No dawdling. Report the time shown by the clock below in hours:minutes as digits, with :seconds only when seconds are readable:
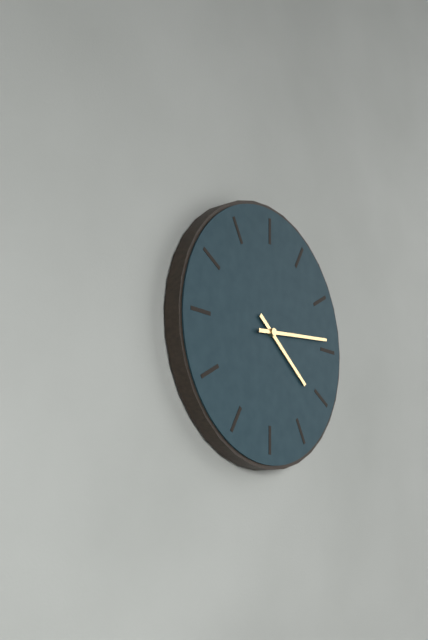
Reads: 4:14
